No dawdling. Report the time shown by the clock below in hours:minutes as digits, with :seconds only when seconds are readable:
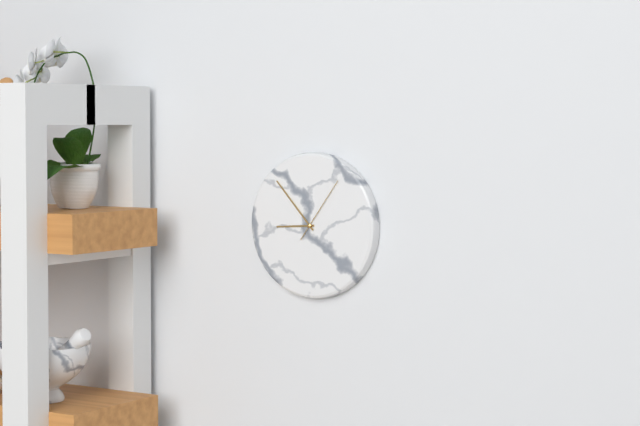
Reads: 8:53:06
